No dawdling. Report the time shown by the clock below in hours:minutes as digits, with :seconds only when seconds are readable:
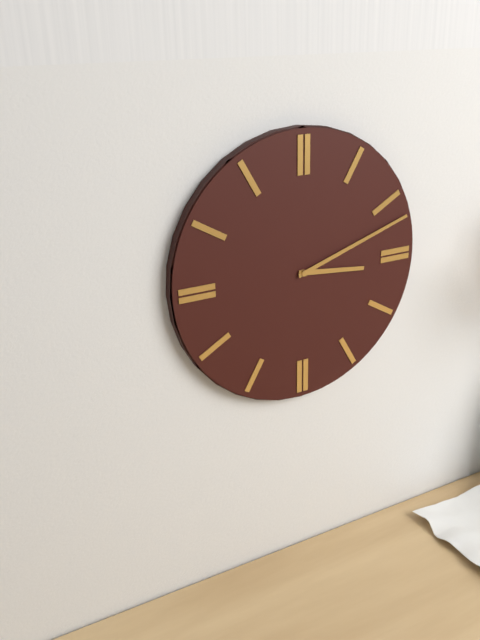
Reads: 3:12
